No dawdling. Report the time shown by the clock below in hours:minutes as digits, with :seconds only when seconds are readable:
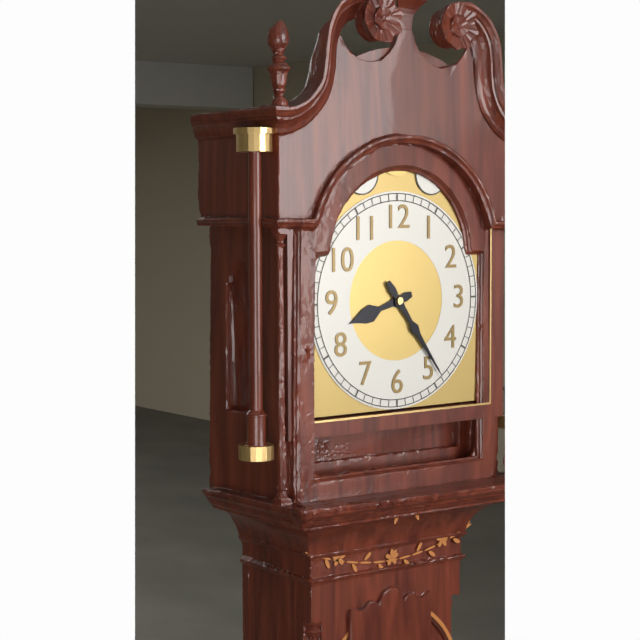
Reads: 8:24
